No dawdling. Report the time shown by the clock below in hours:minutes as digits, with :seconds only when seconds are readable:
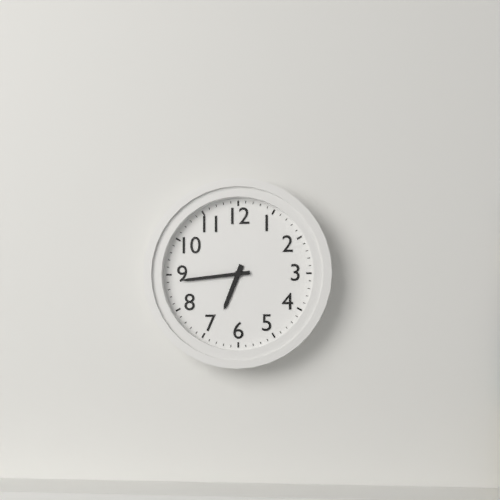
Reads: 6:44
